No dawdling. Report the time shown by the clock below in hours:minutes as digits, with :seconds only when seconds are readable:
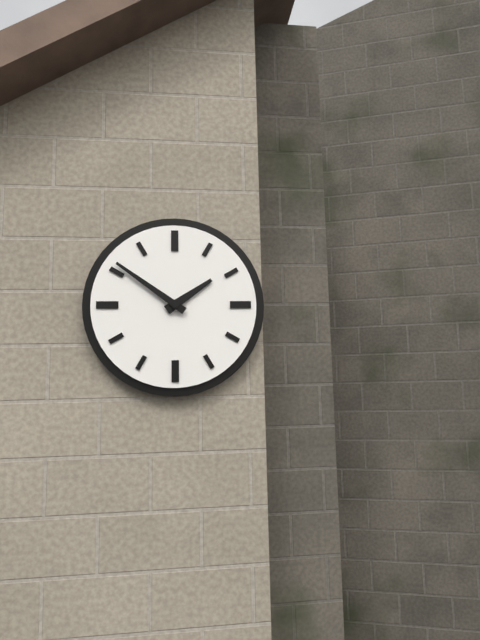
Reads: 1:51
